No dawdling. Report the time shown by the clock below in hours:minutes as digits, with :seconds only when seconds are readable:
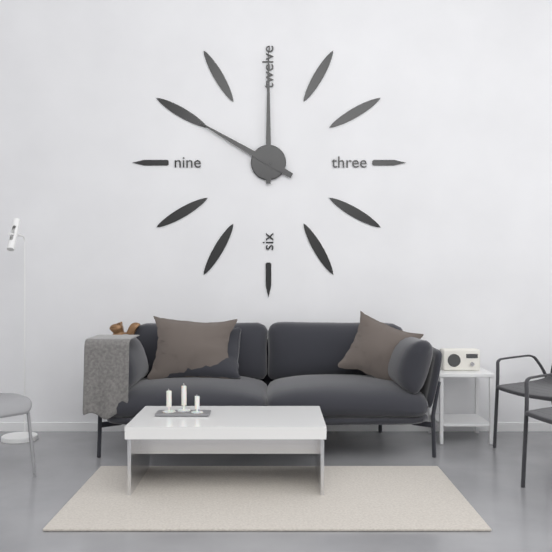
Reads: 10:00
